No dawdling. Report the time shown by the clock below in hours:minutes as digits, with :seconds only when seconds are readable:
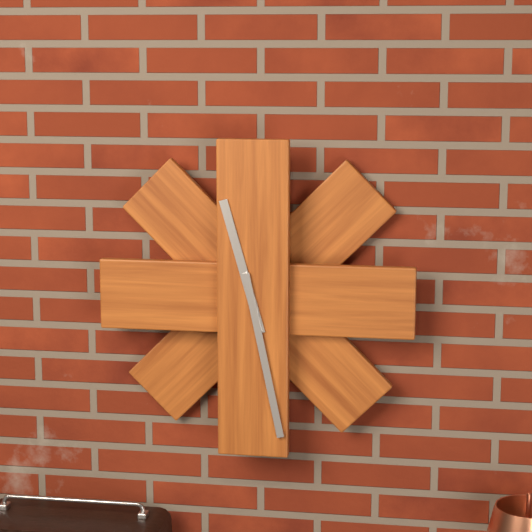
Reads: 11:28
